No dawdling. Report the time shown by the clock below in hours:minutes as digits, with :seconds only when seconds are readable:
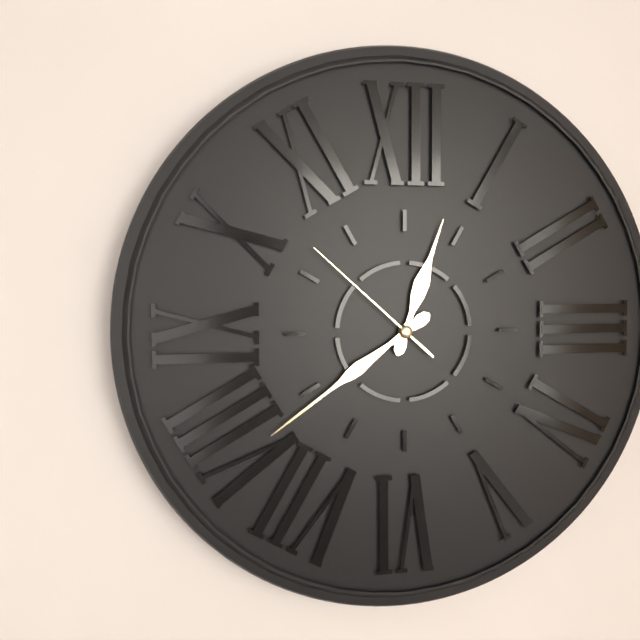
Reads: 12:39:52
